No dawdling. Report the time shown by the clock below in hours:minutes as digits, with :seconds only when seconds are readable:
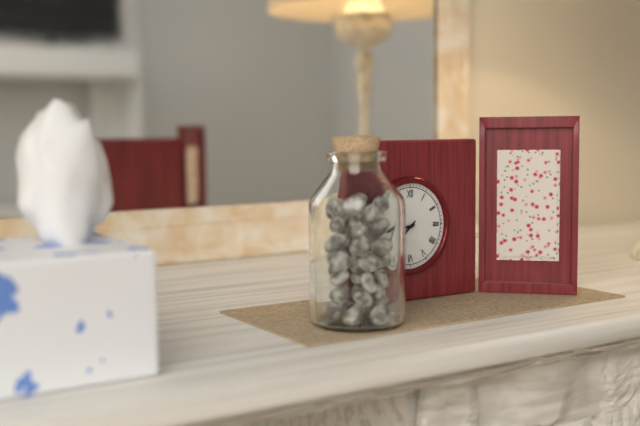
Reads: 8:38
